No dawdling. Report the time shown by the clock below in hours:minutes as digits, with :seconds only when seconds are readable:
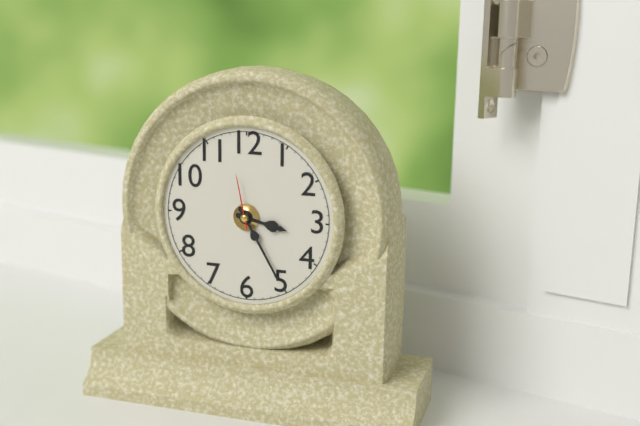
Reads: 3:25:58
